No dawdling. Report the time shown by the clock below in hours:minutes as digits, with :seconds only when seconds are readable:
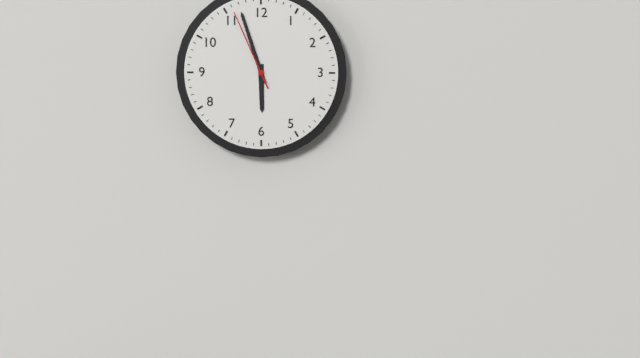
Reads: 5:57:56
